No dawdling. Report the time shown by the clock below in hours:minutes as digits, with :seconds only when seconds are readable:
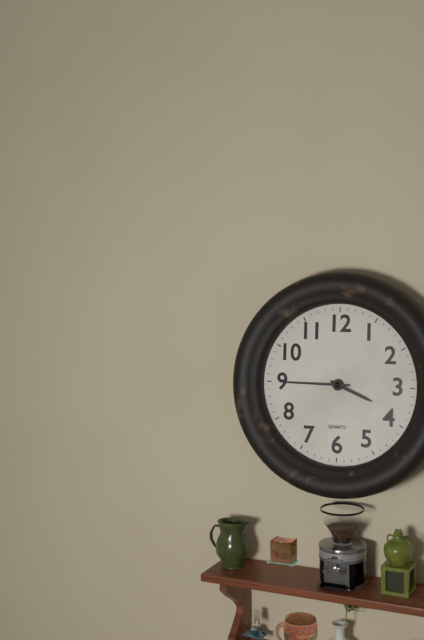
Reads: 3:45
